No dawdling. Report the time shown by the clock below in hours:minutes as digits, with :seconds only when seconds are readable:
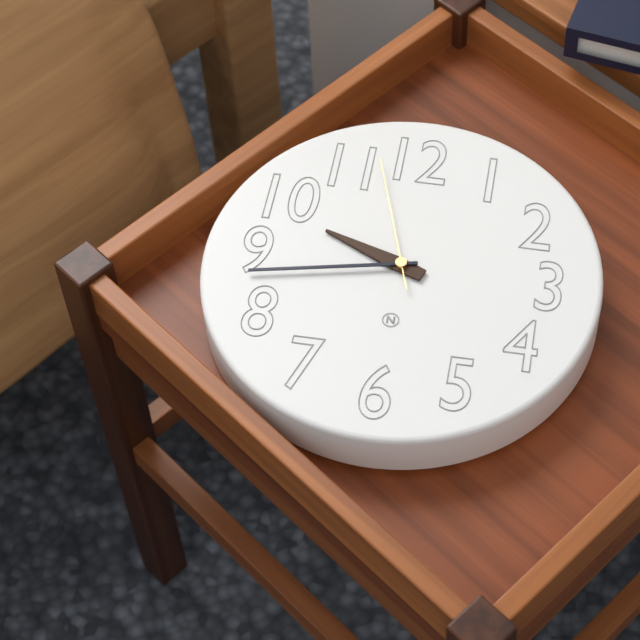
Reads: 9:43:57
